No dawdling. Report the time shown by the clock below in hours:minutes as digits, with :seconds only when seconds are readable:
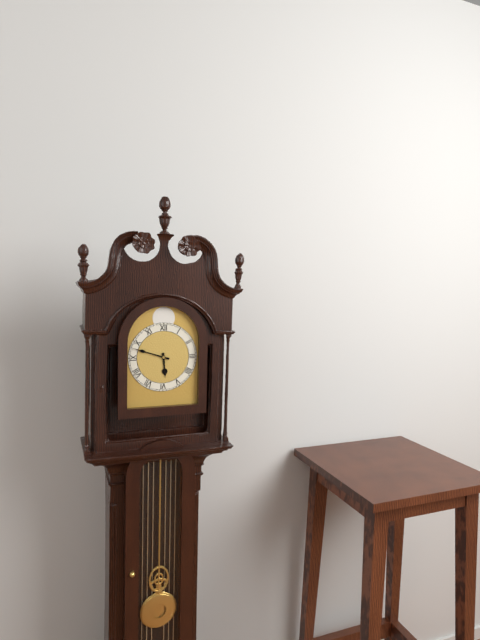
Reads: 5:48
